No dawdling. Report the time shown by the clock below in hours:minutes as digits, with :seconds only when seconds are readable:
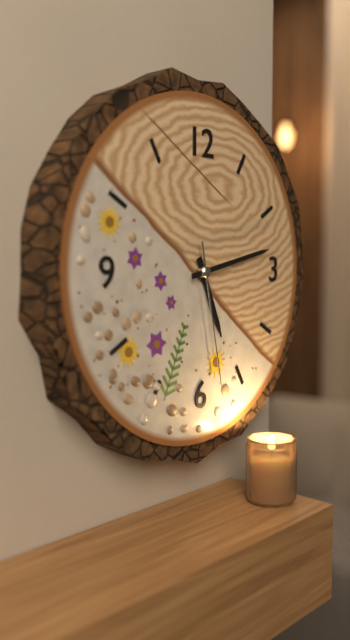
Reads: 5:13:28
